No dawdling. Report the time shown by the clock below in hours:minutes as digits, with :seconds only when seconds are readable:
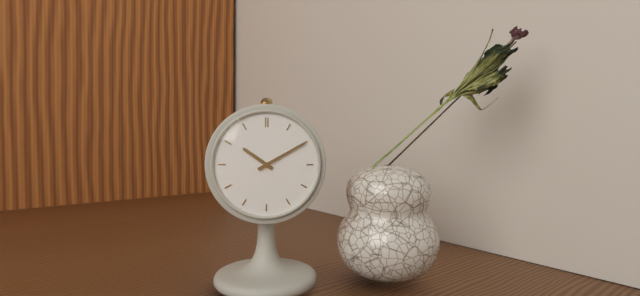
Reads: 10:10
